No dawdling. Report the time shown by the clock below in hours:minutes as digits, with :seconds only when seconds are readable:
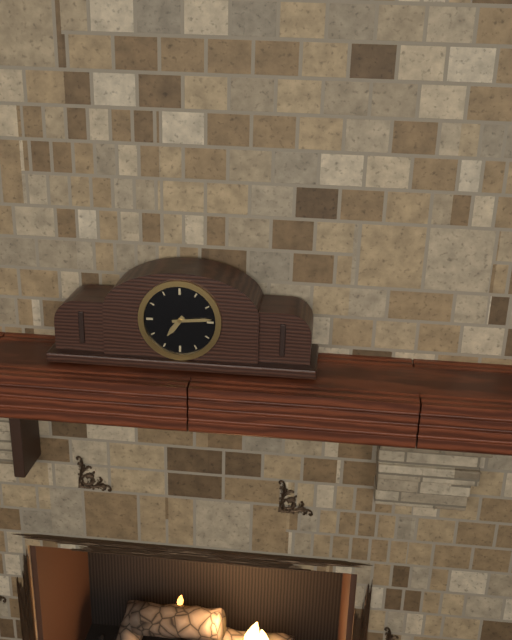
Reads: 7:14
